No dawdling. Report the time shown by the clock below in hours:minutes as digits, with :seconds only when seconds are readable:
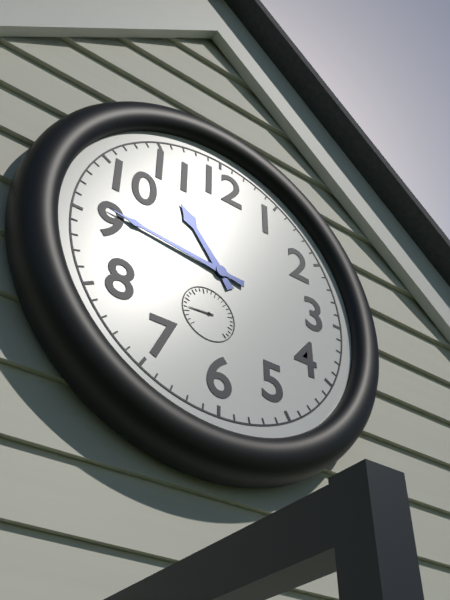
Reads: 10:46
